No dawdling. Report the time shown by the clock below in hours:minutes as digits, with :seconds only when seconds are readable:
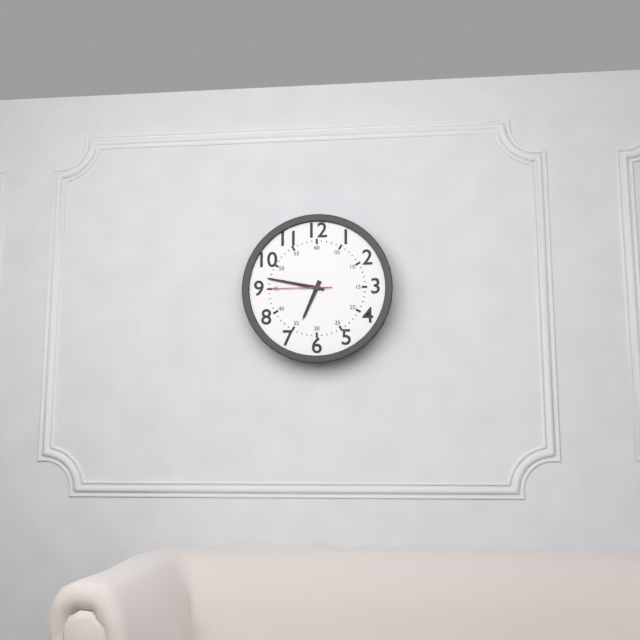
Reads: 6:47:45
